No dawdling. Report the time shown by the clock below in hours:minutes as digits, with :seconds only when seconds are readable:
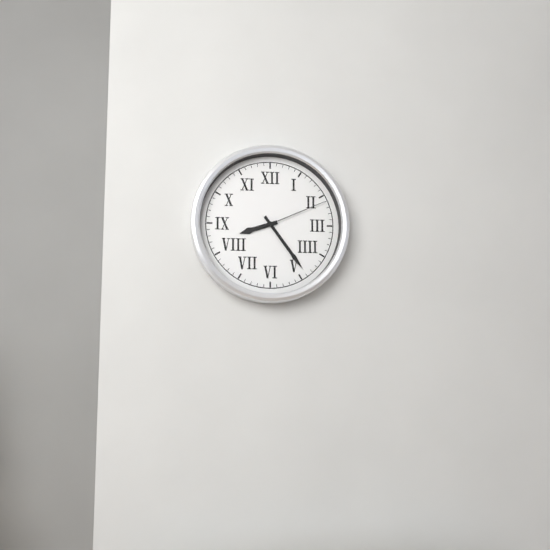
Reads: 8:24:11
